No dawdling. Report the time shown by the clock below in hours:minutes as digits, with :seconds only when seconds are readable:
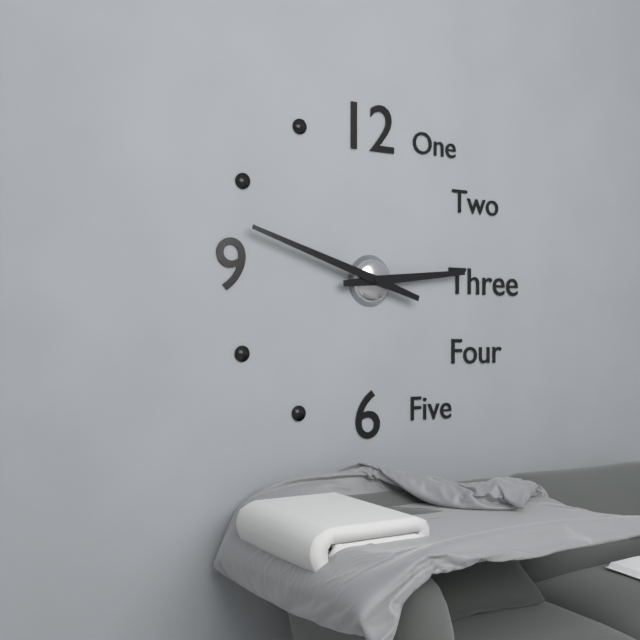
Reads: 2:48
